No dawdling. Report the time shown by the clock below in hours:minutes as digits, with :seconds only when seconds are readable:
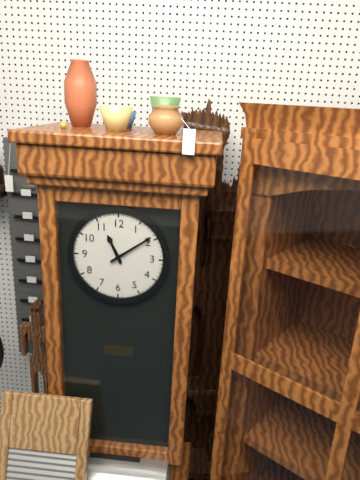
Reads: 11:09
